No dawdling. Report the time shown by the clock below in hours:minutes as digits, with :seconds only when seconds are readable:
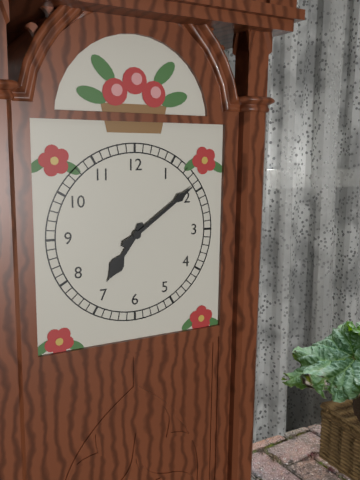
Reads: 7:09
